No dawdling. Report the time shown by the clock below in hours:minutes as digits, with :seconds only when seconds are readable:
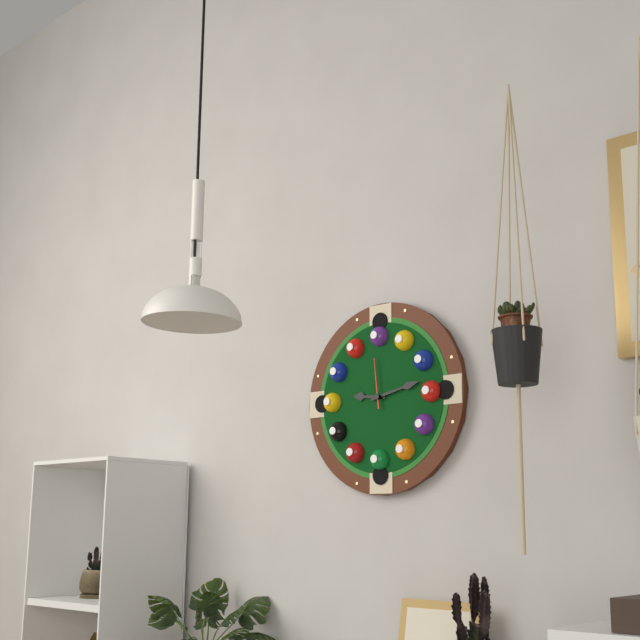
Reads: 9:13
